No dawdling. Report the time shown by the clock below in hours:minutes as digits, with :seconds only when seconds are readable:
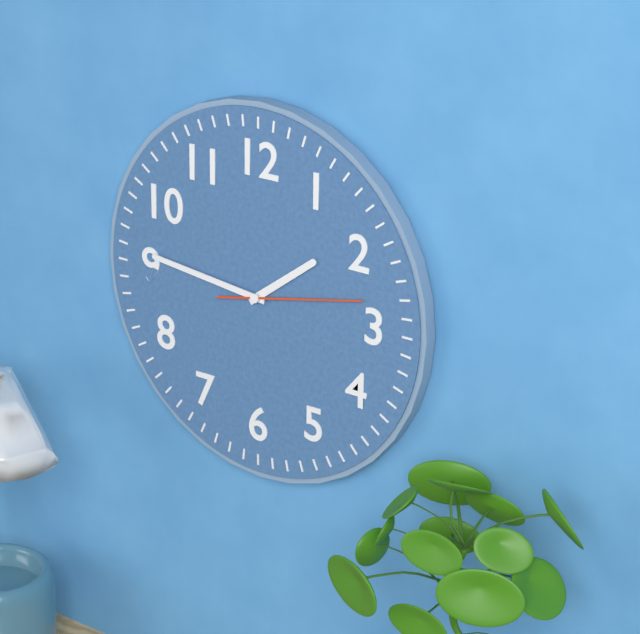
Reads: 1:46:13
